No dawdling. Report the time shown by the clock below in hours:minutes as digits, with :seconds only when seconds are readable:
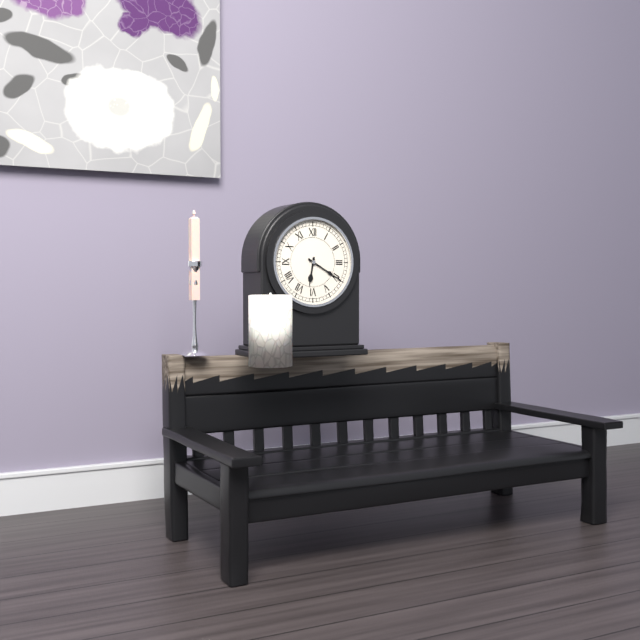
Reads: 6:20
